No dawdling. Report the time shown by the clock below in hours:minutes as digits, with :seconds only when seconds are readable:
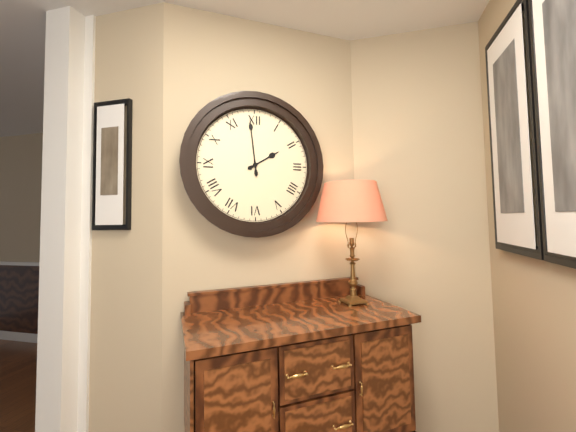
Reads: 1:59
